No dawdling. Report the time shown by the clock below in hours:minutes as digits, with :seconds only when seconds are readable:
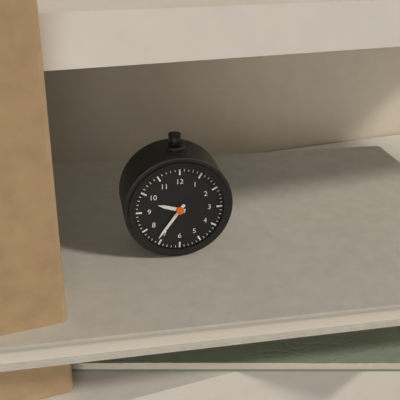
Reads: 9:36
